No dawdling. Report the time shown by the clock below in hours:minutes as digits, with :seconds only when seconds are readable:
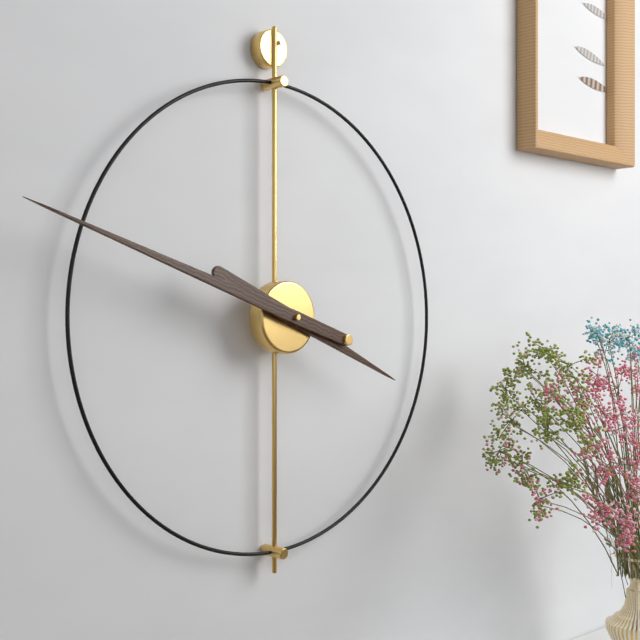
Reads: 3:48
